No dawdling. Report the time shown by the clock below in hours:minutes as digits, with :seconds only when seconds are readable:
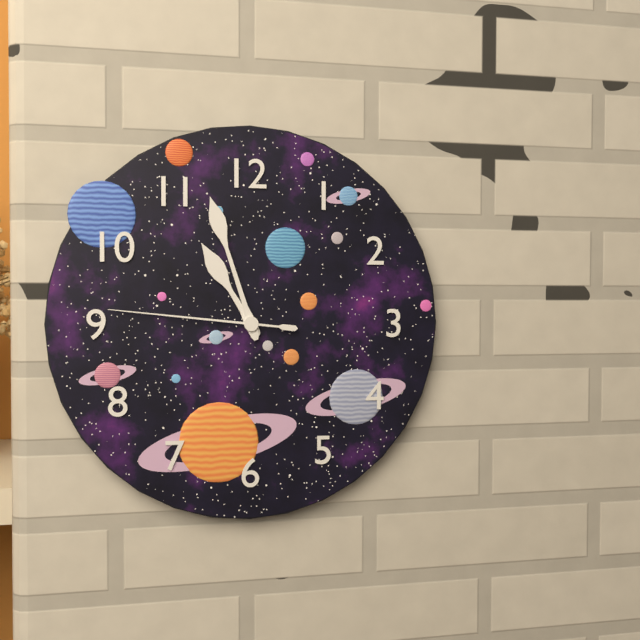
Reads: 10:57:46
